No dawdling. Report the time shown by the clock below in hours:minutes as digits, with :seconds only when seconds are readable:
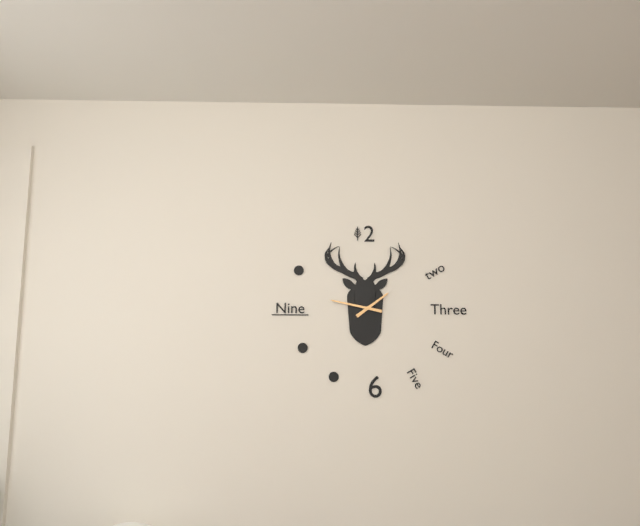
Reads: 1:47
